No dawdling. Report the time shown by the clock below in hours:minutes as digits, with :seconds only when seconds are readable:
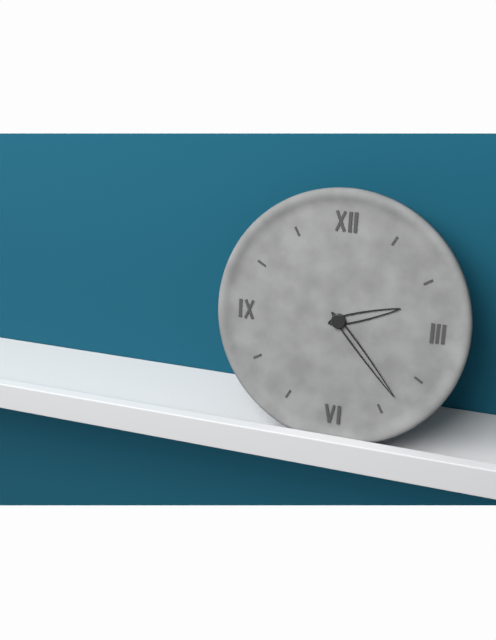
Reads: 2:23
